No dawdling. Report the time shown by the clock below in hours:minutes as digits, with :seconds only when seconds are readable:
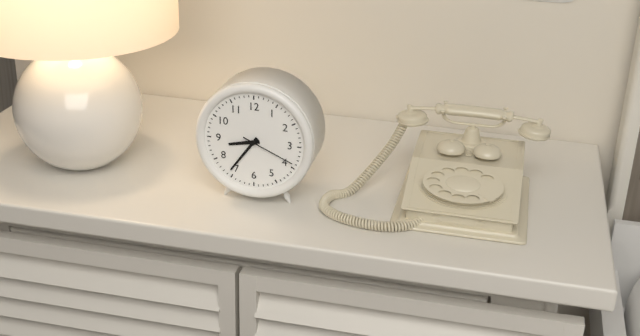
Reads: 8:36:19
